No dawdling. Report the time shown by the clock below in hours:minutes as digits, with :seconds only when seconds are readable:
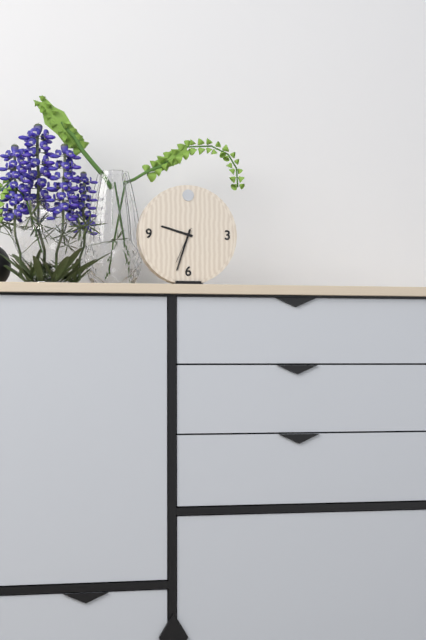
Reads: 9:33
